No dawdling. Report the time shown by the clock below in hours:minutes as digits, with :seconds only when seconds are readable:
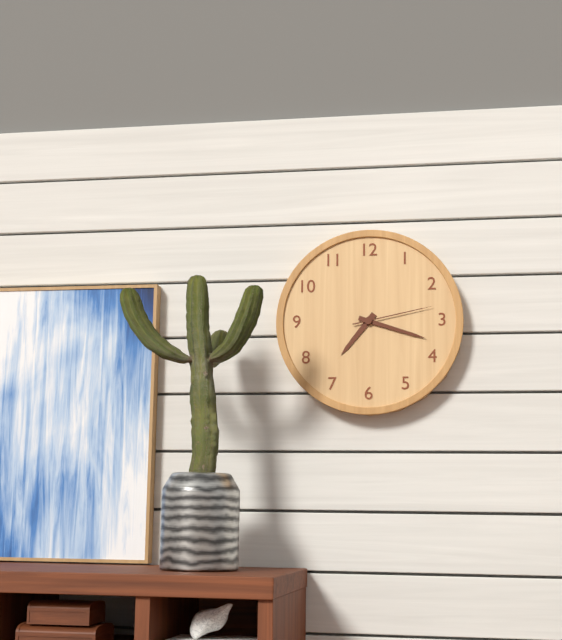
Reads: 7:18:13
